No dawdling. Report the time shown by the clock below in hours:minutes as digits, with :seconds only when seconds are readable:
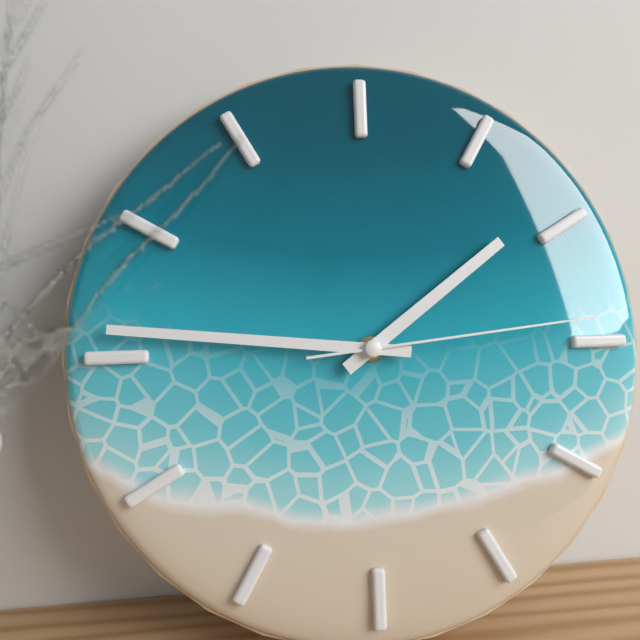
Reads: 1:46:14
